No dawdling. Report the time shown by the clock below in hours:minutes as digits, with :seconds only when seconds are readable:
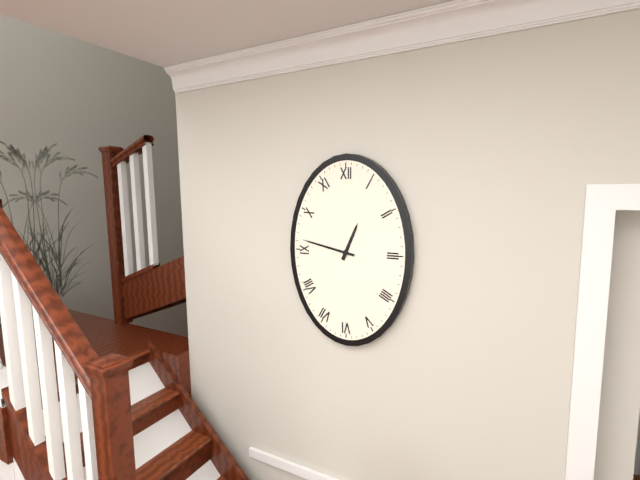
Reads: 12:47
